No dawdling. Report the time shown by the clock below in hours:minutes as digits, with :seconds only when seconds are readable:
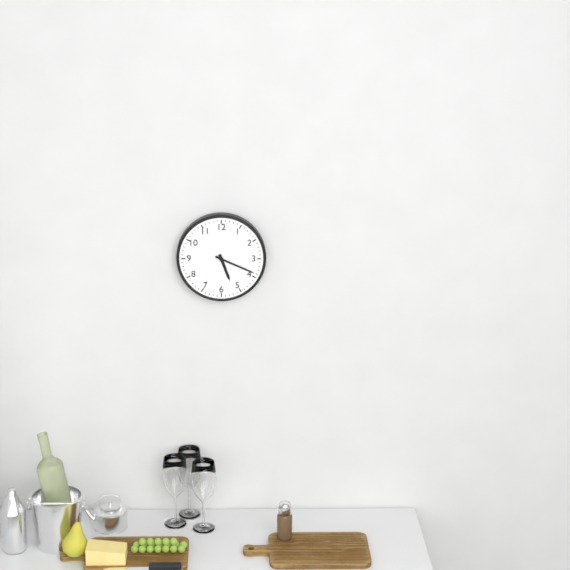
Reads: 5:19
